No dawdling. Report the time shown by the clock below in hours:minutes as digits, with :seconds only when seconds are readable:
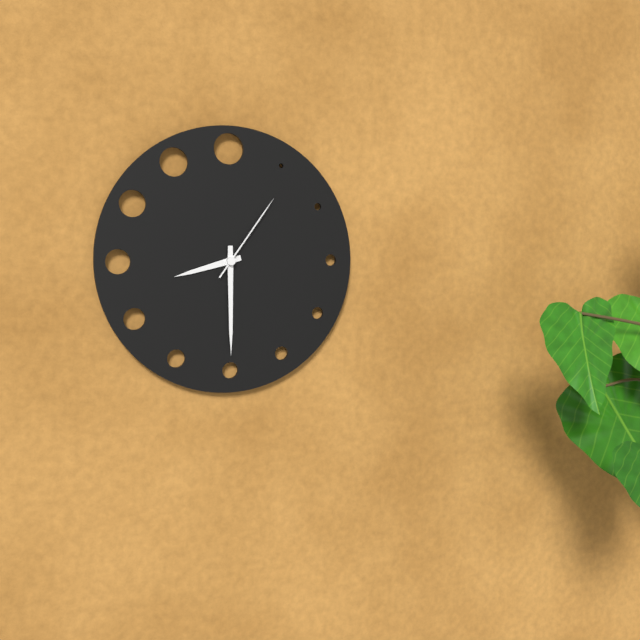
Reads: 8:30:06
